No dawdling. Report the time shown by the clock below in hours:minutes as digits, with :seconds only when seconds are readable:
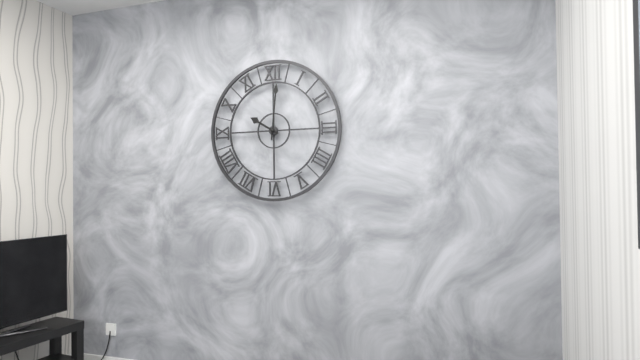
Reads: 10:01
